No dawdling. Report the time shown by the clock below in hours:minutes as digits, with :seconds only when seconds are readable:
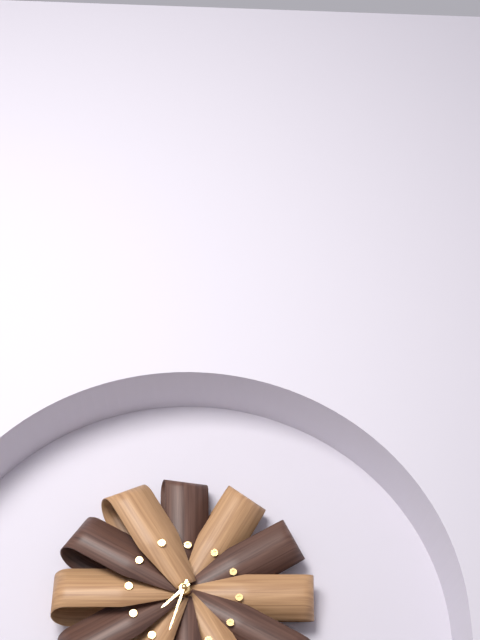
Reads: 7:33
